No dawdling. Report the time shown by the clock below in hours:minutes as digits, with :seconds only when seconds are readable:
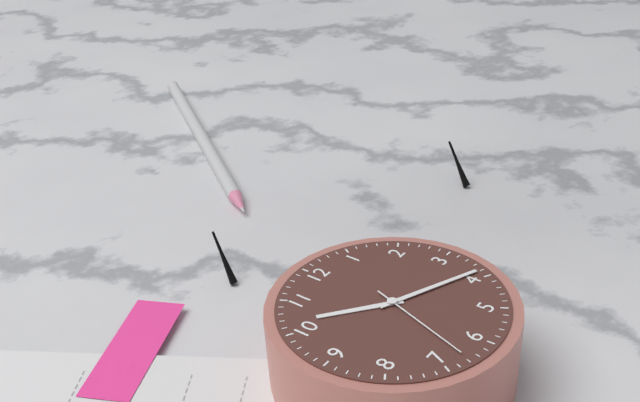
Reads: 10:19:33
